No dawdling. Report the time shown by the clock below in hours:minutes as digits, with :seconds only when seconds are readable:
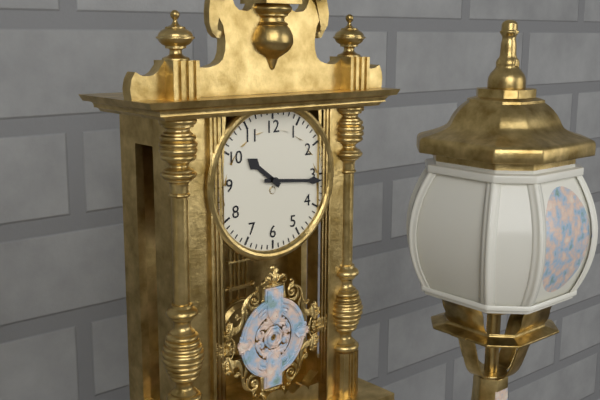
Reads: 10:16
